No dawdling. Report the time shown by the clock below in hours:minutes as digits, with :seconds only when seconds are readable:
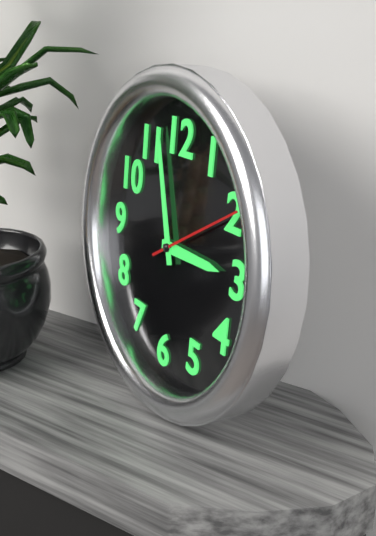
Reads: 2:57:10
